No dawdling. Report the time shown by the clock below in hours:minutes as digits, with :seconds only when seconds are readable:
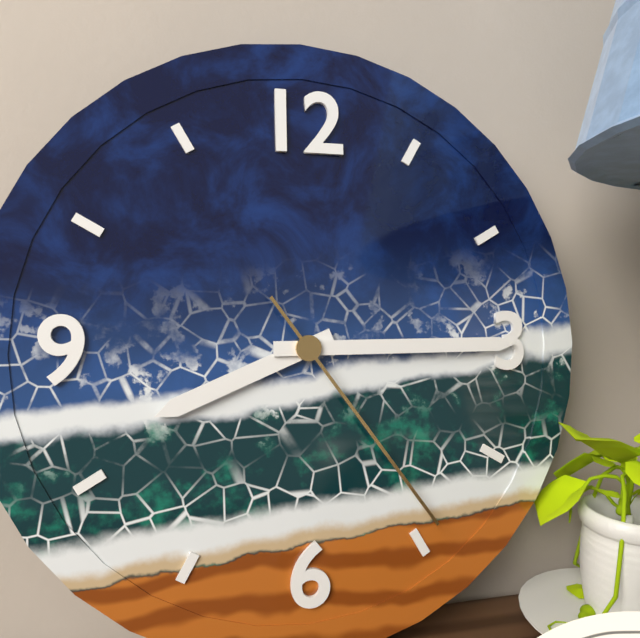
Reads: 8:15:24
